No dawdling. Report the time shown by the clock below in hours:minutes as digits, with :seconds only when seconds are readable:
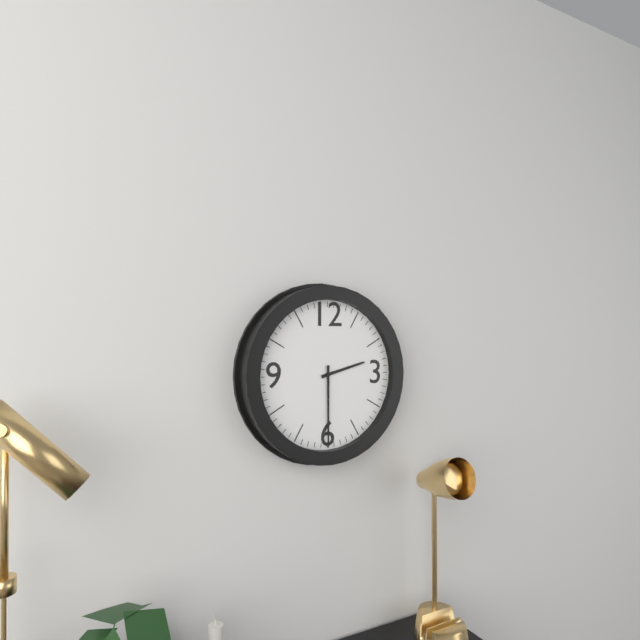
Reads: 2:30
